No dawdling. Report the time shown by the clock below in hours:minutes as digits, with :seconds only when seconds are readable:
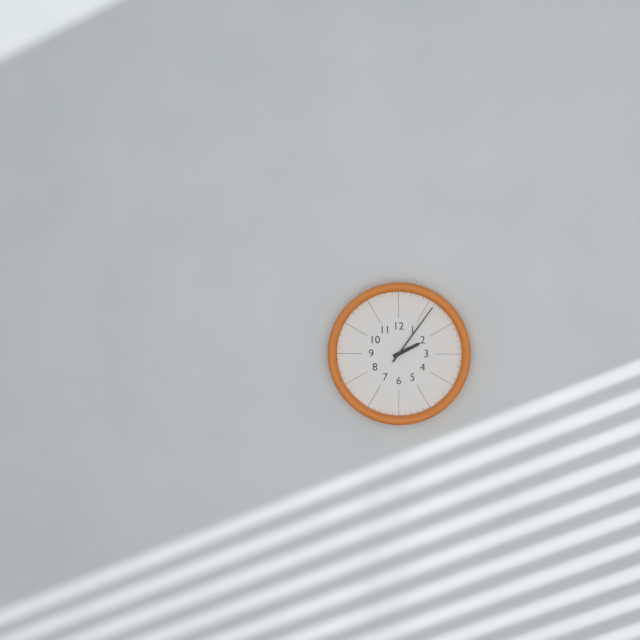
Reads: 2:06
